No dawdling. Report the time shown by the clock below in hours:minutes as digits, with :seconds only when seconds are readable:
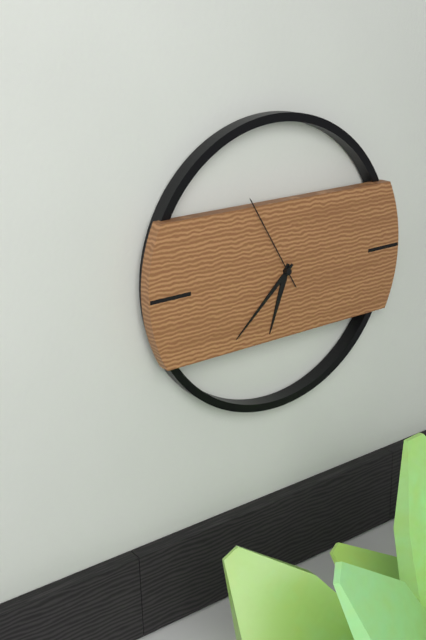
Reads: 6:38:55
